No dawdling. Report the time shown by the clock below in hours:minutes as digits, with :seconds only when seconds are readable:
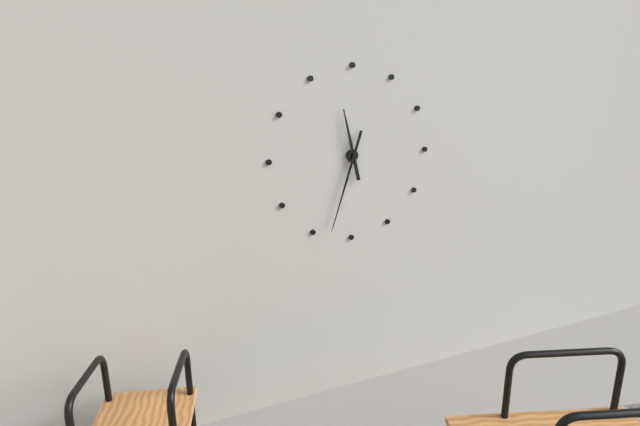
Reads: 11:33
